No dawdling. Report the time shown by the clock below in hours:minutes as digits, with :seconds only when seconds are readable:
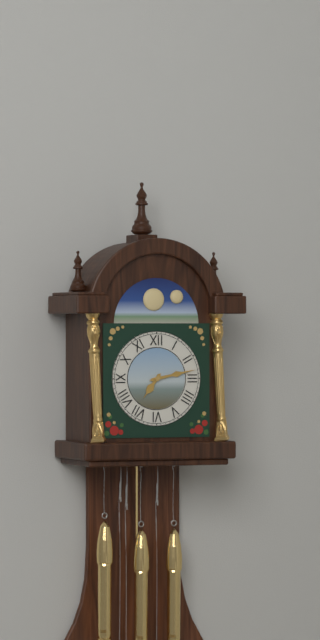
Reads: 7:13
